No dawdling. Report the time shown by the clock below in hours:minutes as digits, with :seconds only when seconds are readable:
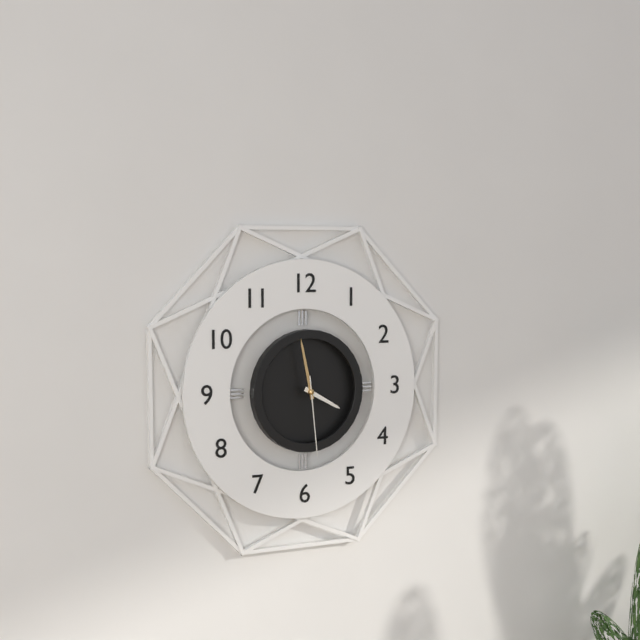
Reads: 3:58:29
